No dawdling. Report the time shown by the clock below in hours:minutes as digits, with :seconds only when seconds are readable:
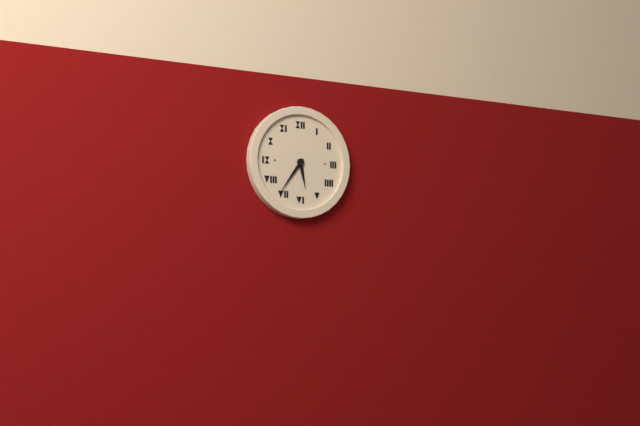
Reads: 5:36
